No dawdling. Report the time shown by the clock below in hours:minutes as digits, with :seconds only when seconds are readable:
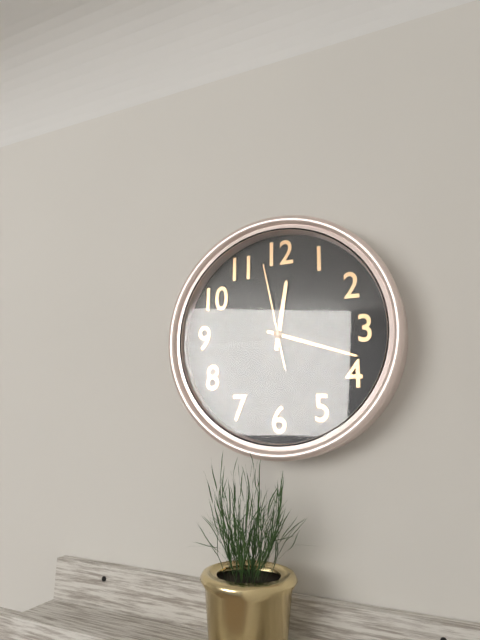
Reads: 12:18:58
